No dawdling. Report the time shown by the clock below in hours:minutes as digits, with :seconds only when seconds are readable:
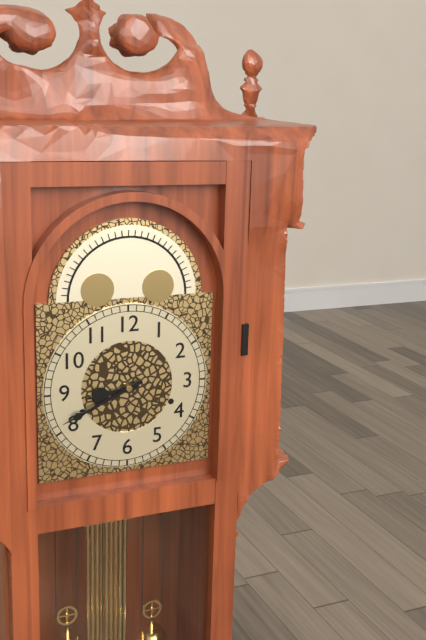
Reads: 8:41
